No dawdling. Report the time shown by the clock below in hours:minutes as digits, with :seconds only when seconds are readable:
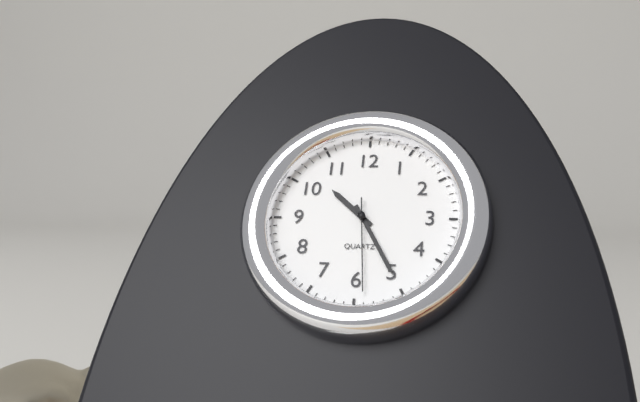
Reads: 10:25:29
